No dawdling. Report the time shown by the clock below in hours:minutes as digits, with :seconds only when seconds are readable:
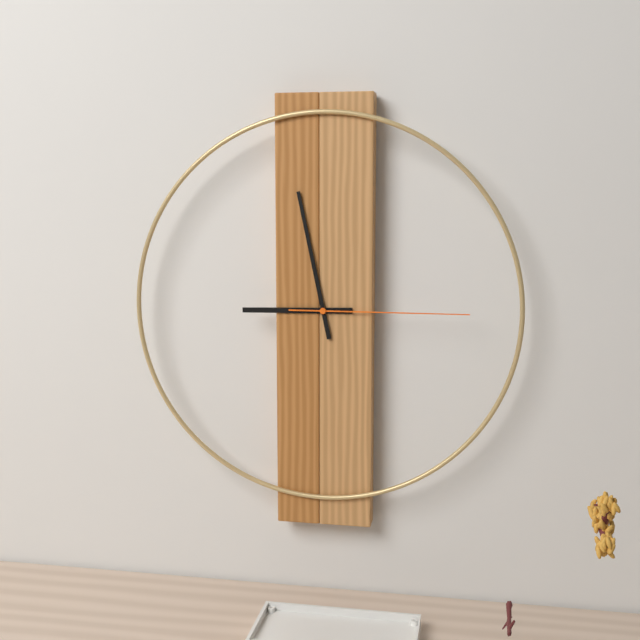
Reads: 8:58:15
